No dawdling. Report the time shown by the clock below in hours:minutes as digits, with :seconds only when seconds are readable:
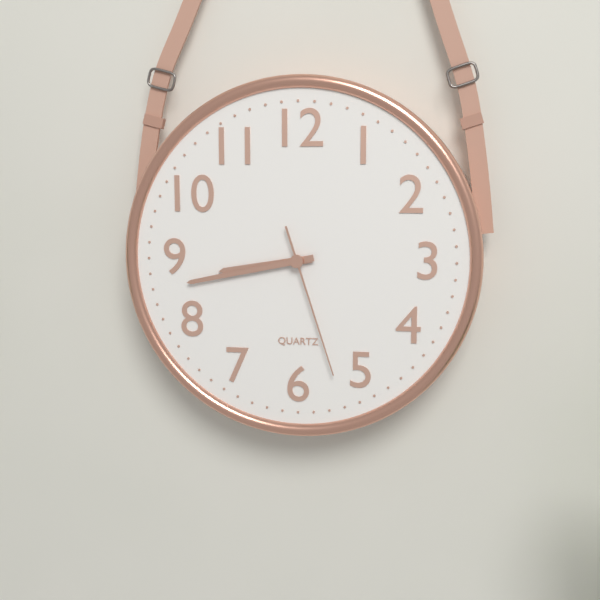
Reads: 8:43:27
